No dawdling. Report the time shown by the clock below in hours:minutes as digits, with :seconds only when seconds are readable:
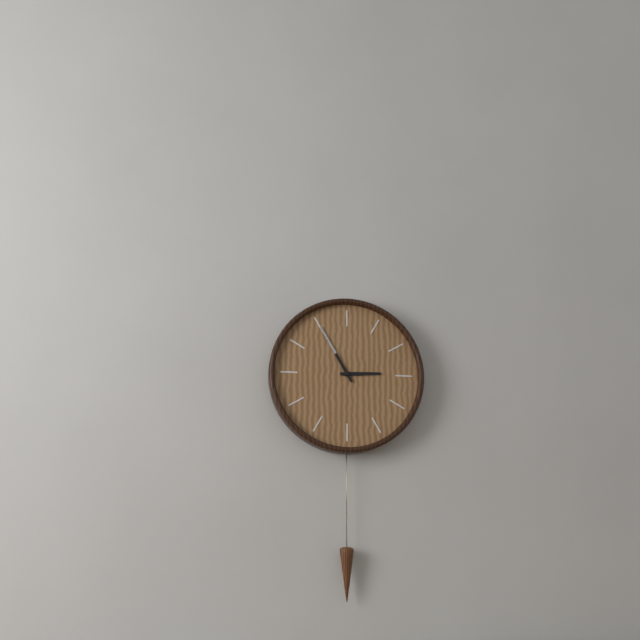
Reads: 2:55
